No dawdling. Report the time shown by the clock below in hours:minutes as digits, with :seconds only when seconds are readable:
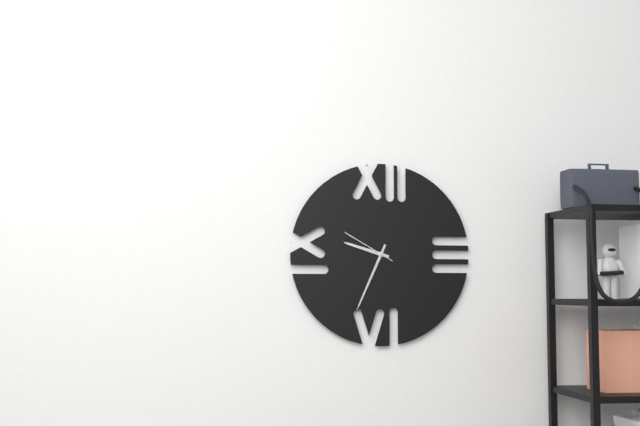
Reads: 9:34:50
